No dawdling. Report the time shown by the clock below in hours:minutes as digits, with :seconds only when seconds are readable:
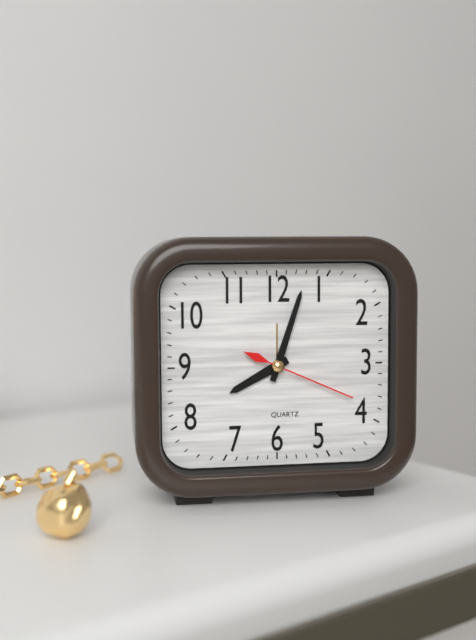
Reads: 8:03:19
